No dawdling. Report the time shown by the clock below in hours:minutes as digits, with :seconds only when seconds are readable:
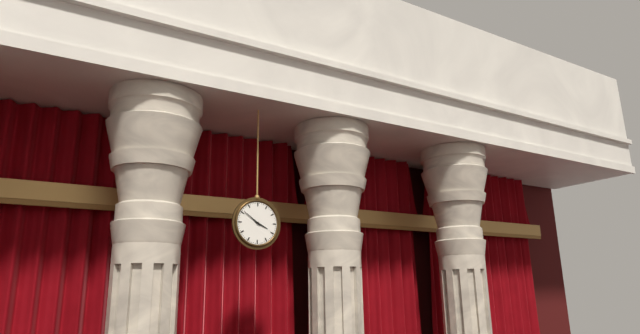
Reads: 3:51
